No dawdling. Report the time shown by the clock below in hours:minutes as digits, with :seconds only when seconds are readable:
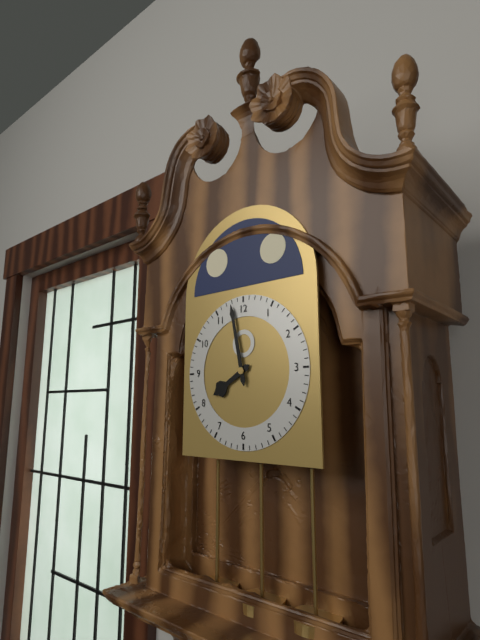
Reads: 7:58
